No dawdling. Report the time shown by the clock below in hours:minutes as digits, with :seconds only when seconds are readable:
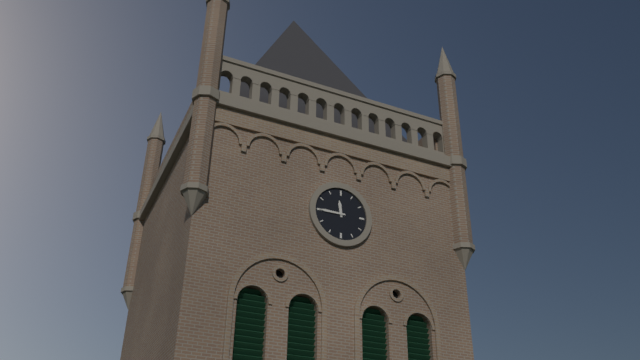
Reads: 11:45
